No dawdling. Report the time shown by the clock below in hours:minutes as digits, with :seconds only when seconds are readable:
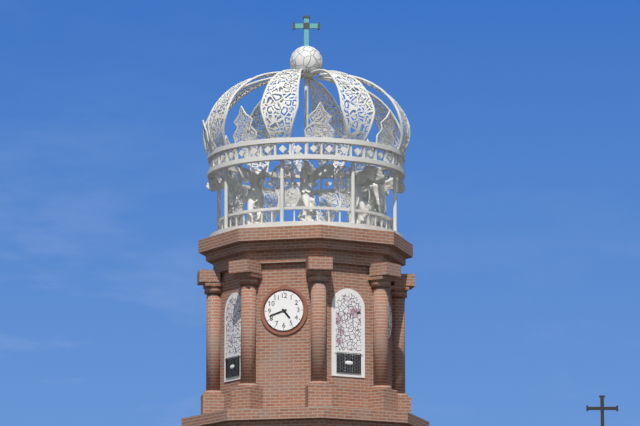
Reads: 4:42
